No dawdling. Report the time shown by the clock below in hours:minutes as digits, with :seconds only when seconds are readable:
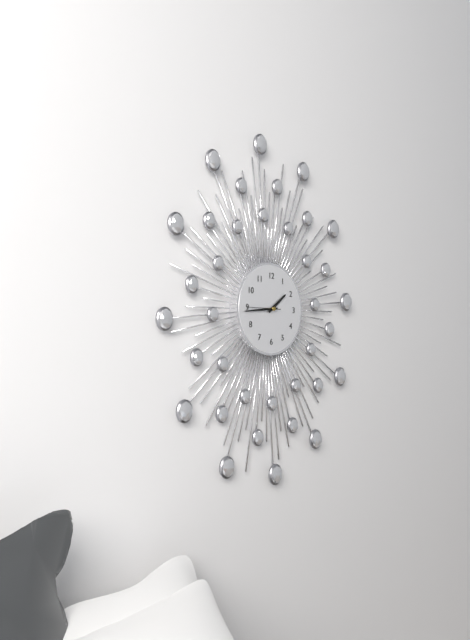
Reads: 1:44
